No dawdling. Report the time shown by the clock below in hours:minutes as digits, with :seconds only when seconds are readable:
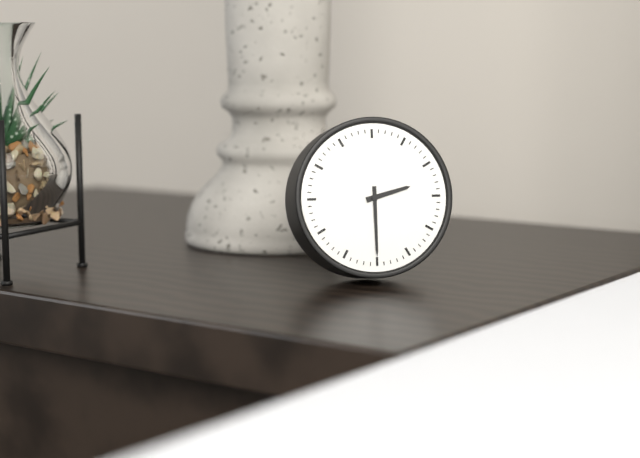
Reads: 2:30
